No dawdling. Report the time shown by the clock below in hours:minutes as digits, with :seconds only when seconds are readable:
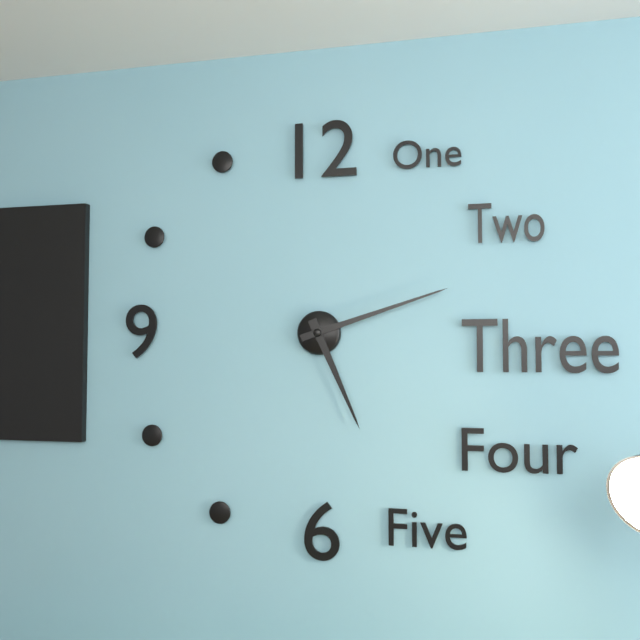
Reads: 5:12
